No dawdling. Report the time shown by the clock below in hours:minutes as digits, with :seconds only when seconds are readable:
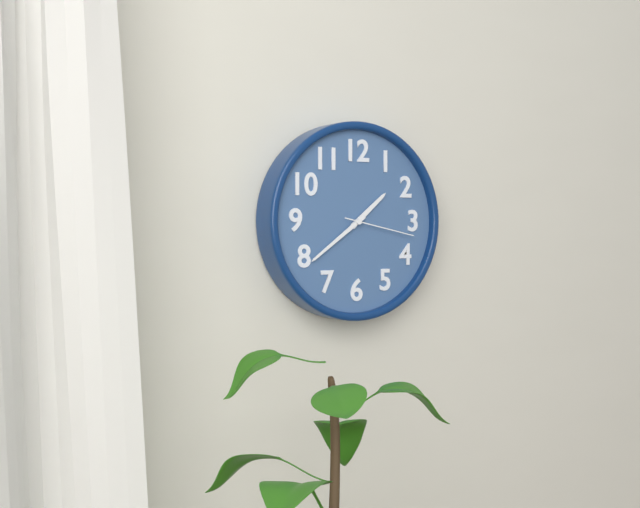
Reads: 1:39:17
